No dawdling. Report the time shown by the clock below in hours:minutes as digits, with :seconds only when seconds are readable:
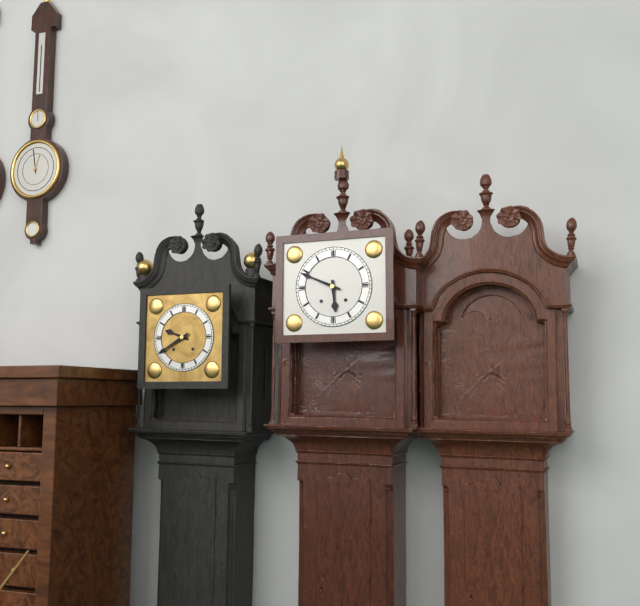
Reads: 5:49
